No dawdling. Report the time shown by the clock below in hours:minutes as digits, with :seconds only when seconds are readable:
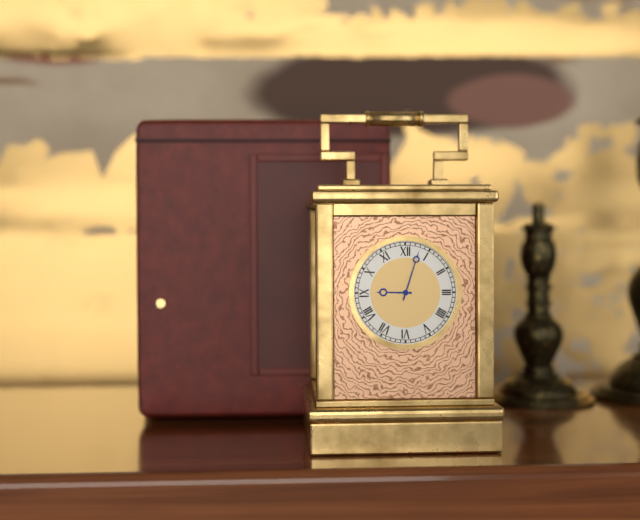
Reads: 9:03
